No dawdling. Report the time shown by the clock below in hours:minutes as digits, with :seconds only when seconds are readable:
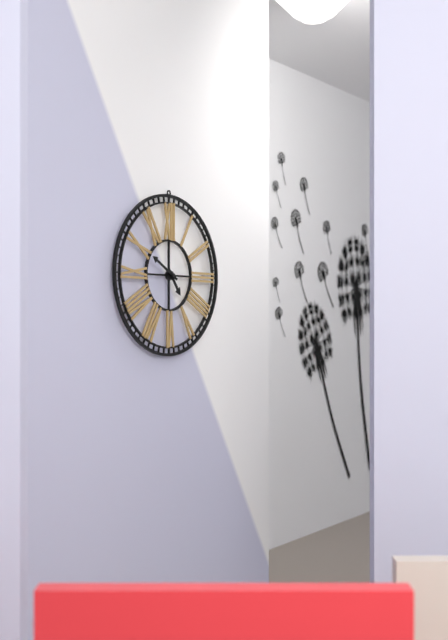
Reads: 4:50
